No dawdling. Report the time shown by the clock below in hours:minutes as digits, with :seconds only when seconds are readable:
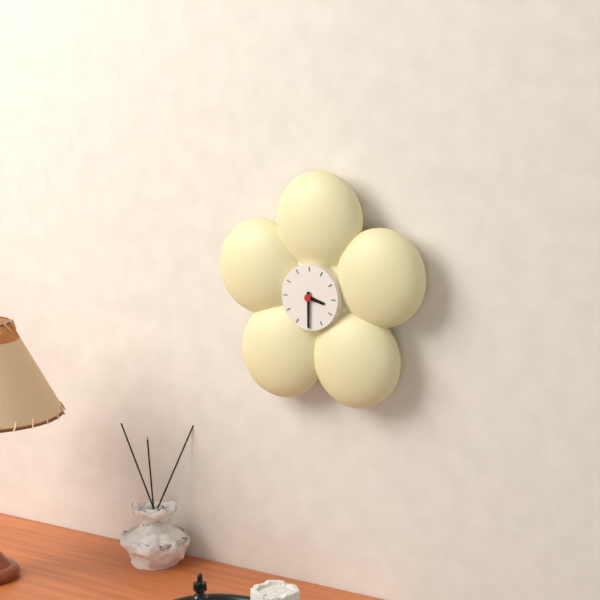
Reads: 3:30
